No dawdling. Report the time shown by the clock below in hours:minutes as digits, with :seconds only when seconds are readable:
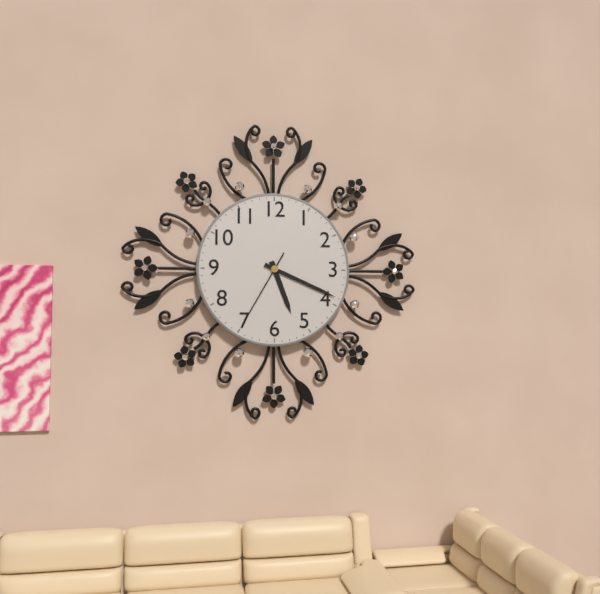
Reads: 5:19:35
